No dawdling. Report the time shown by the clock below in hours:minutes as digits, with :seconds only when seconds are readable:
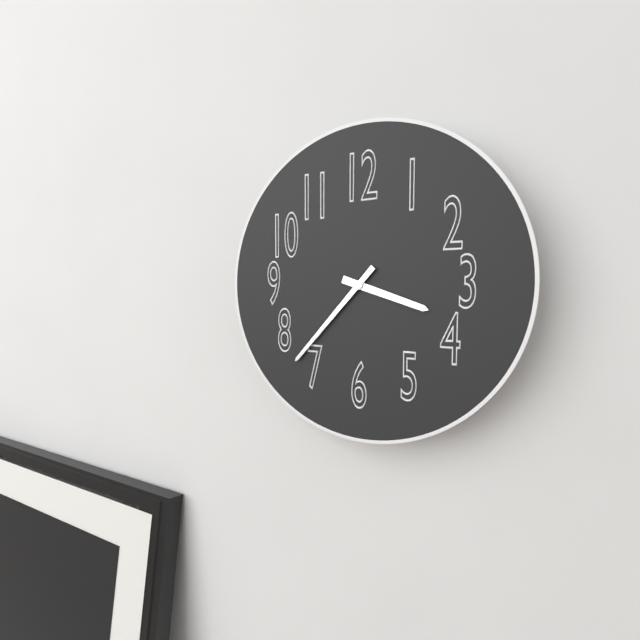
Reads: 3:37
